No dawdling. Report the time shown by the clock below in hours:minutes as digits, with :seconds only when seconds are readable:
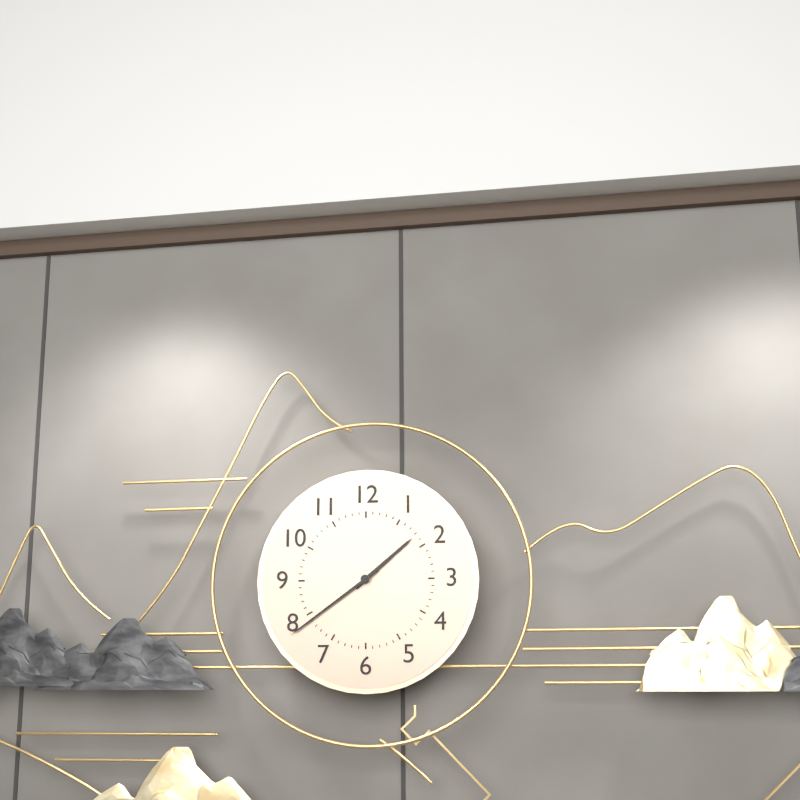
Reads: 1:39
